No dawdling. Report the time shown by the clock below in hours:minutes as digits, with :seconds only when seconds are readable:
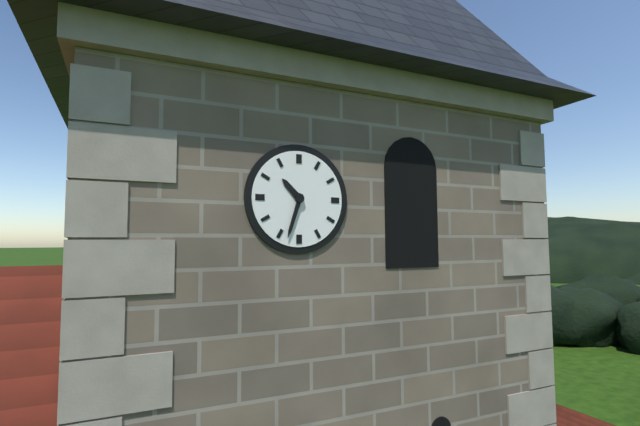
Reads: 10:33
